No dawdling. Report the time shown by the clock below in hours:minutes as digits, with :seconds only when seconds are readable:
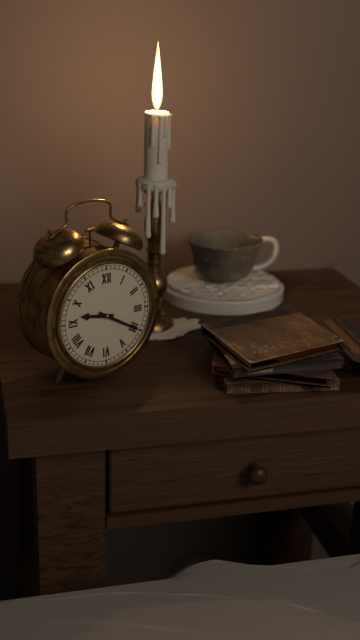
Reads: 9:20
